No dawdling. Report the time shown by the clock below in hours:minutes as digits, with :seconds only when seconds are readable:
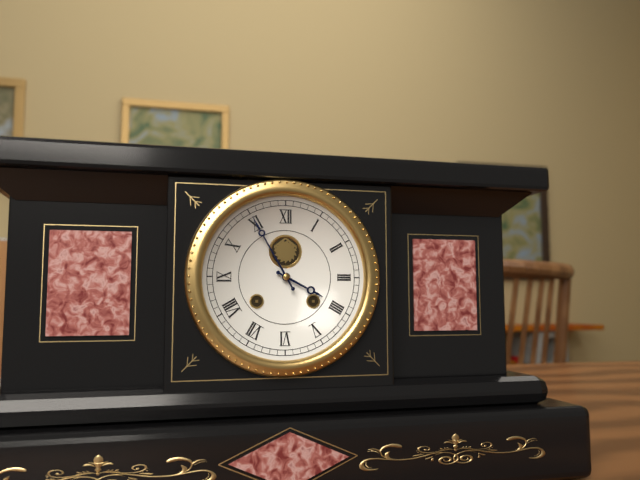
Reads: 3:55
